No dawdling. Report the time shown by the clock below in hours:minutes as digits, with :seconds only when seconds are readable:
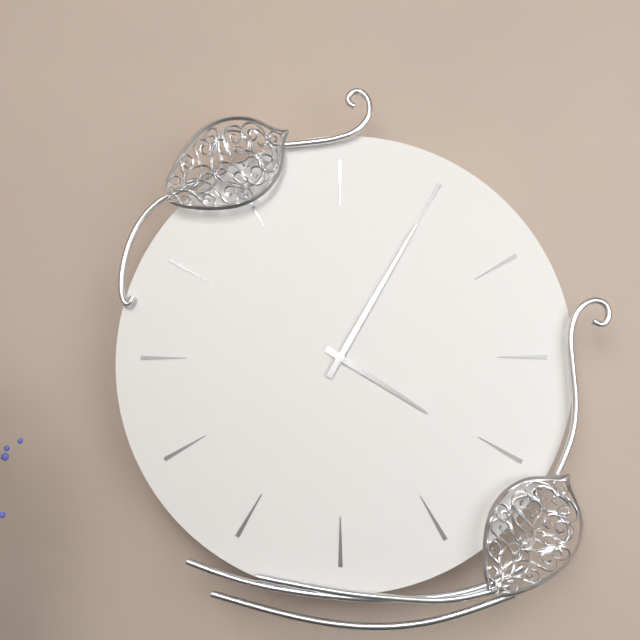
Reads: 4:05
